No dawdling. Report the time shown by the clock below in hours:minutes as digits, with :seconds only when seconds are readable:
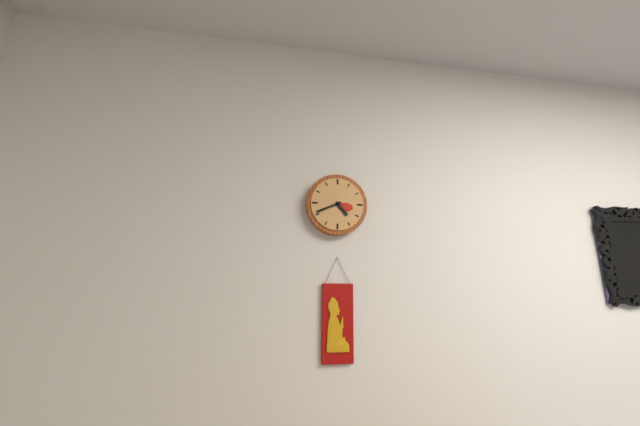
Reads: 4:41
